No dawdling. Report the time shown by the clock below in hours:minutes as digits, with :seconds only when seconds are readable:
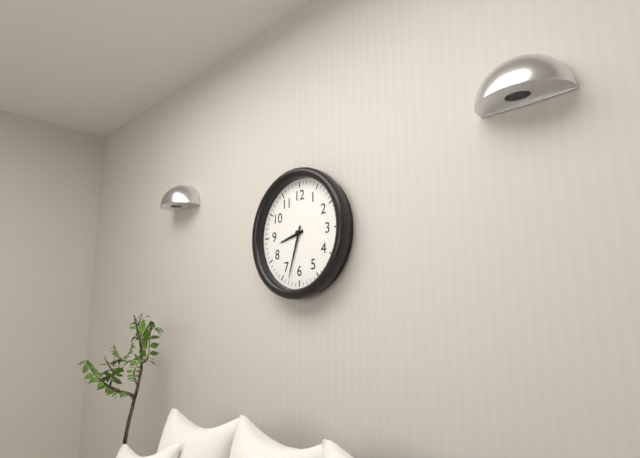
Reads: 8:33
